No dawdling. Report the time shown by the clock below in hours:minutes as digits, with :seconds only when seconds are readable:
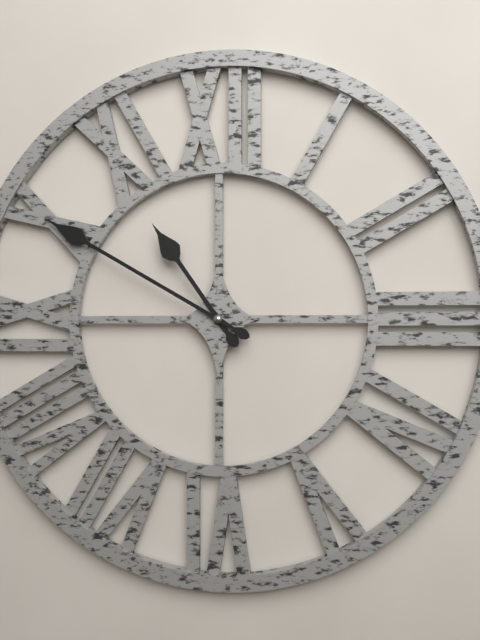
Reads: 10:50
